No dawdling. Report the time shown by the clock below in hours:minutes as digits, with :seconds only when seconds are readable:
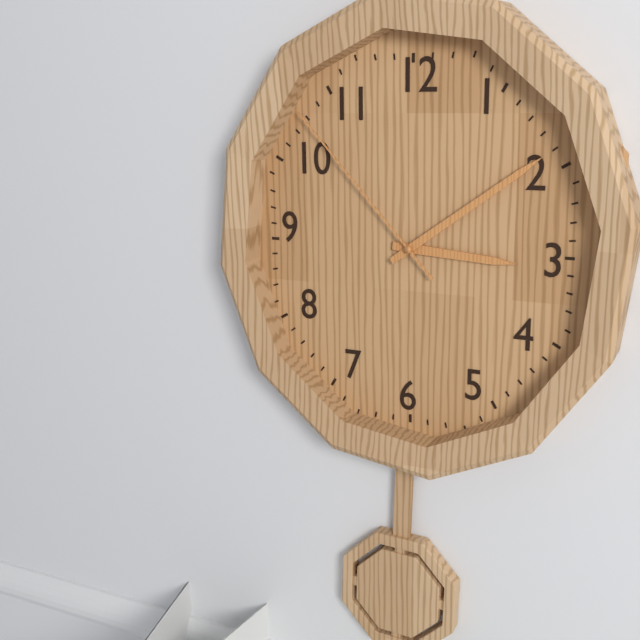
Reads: 3:09:53
